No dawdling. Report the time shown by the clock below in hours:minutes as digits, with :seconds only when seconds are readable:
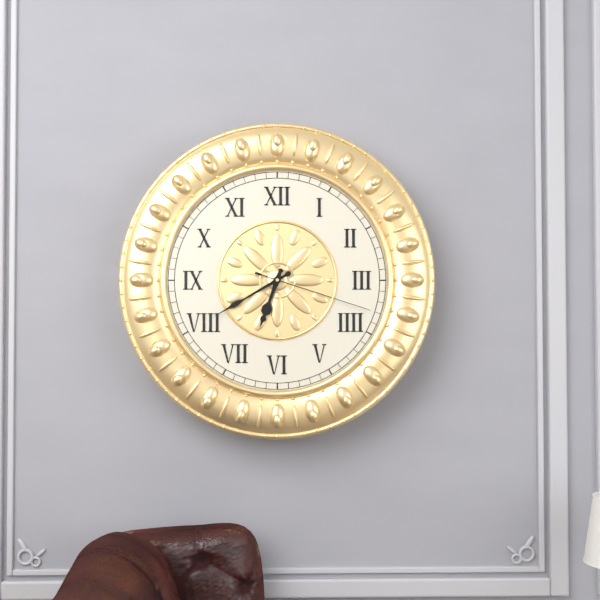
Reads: 6:40:18
